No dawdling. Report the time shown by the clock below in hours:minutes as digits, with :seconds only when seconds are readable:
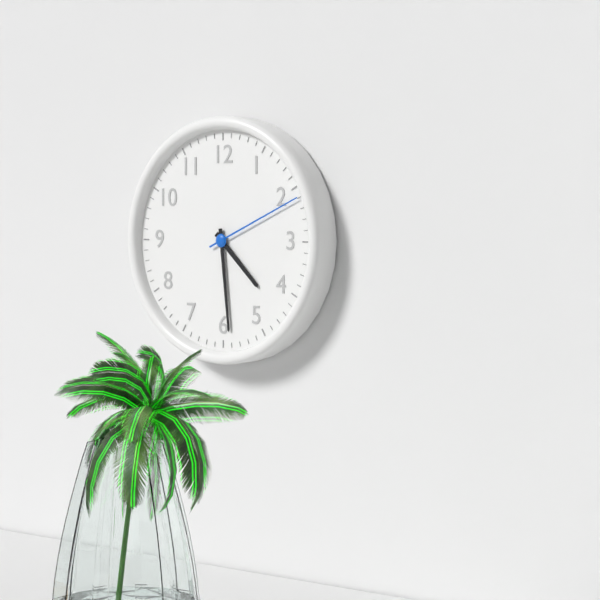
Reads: 4:29:11
